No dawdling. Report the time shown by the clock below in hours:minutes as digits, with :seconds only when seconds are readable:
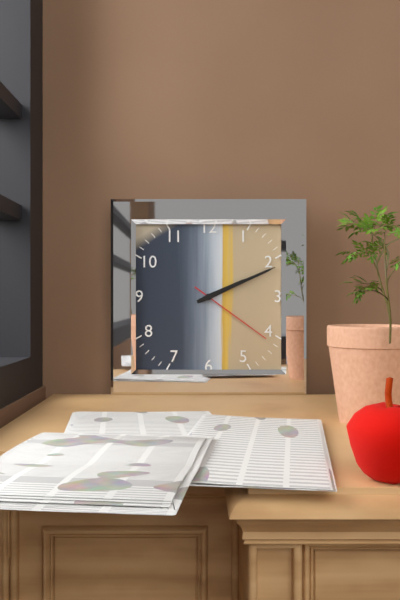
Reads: 2:11:21
